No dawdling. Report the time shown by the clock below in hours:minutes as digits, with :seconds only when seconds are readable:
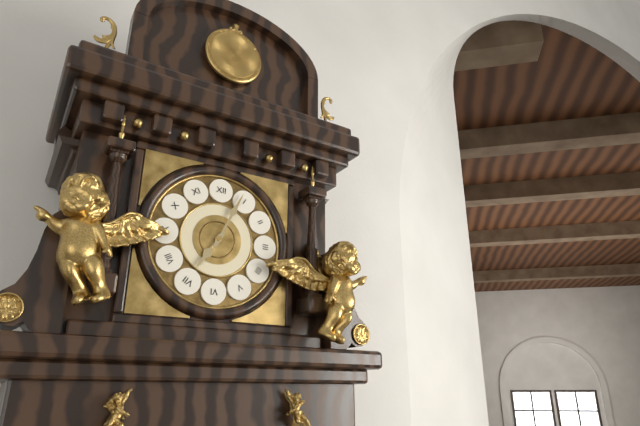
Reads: 7:04
